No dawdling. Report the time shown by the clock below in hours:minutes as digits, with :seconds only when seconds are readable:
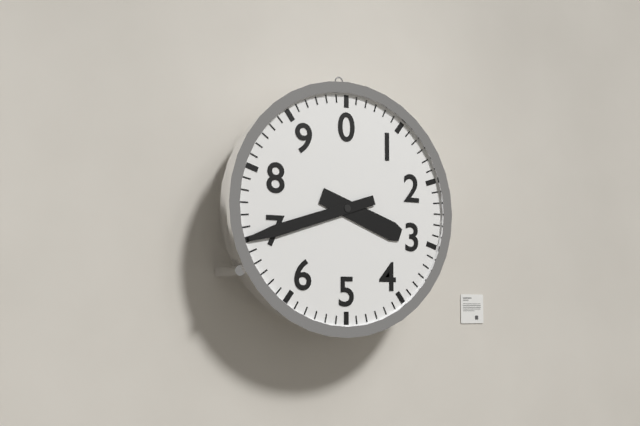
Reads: 3:42
